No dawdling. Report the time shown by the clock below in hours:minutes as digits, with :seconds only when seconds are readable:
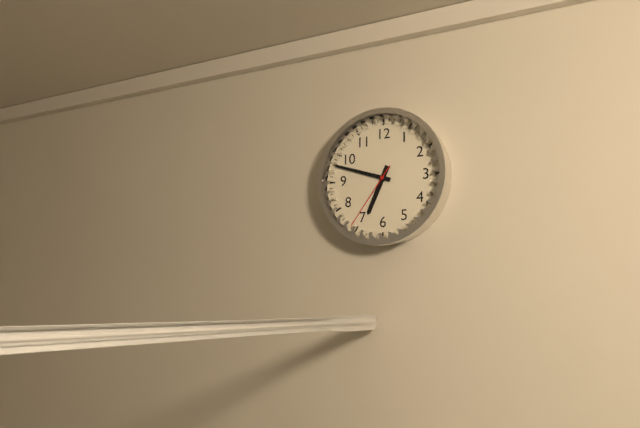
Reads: 6:48:36
